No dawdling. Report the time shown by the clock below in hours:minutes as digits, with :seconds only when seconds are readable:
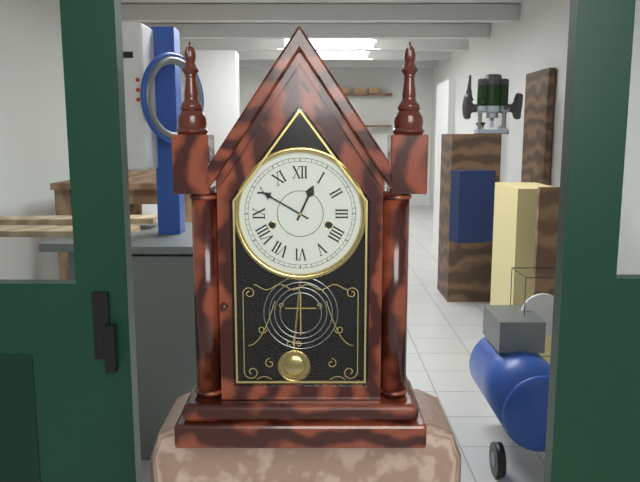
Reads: 12:50
